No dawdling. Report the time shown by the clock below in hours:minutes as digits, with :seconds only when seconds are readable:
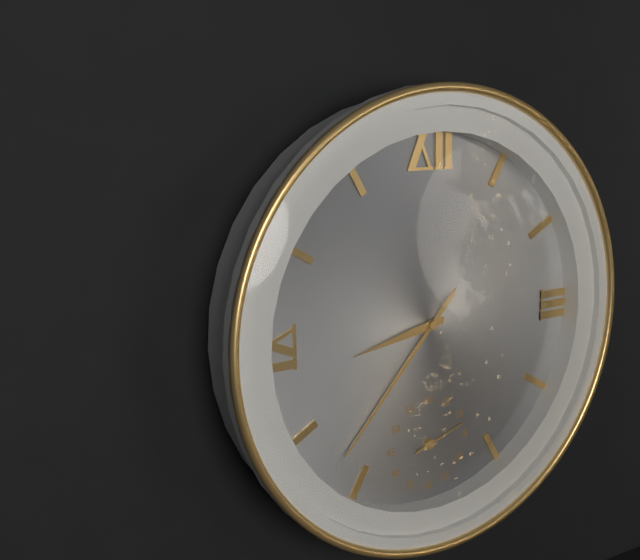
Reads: 8:37:12
